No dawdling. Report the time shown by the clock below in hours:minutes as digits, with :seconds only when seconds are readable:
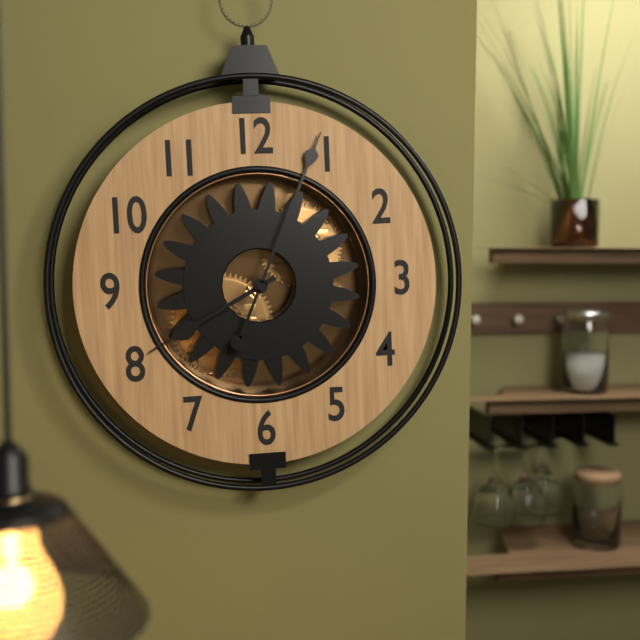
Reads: 8:04
